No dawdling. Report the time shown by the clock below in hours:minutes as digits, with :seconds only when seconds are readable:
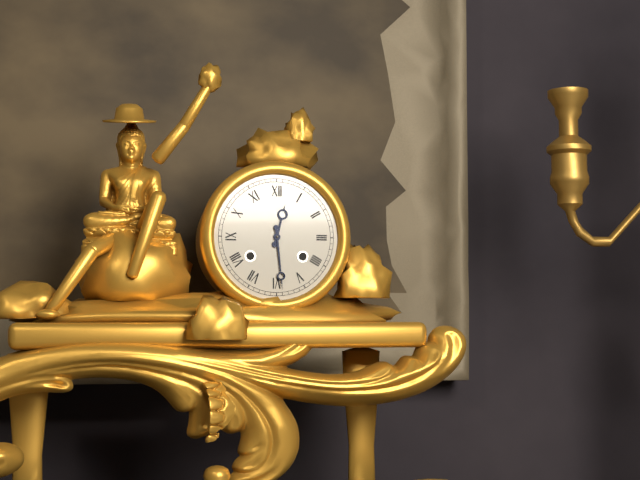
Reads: 12:29
